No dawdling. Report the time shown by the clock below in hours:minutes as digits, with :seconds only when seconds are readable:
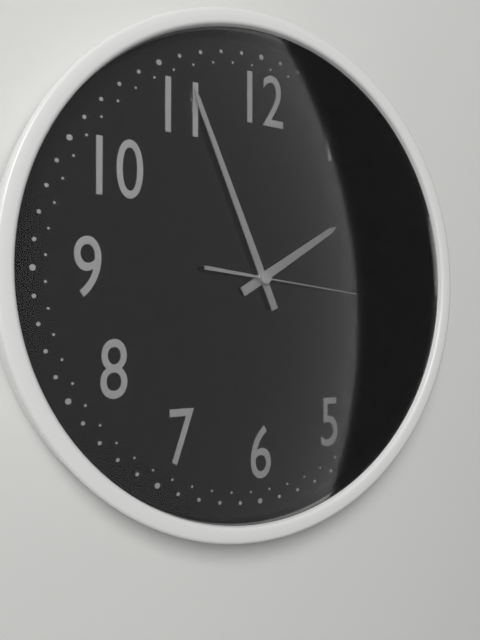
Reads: 1:56:16
